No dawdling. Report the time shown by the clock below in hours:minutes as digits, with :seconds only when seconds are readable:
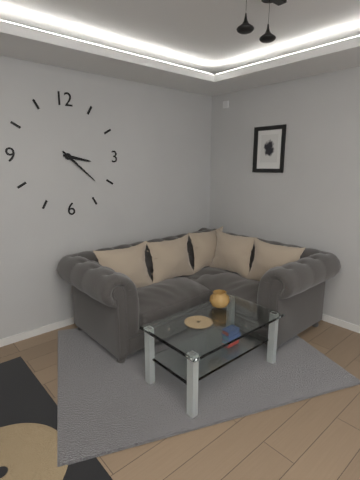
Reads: 3:22
